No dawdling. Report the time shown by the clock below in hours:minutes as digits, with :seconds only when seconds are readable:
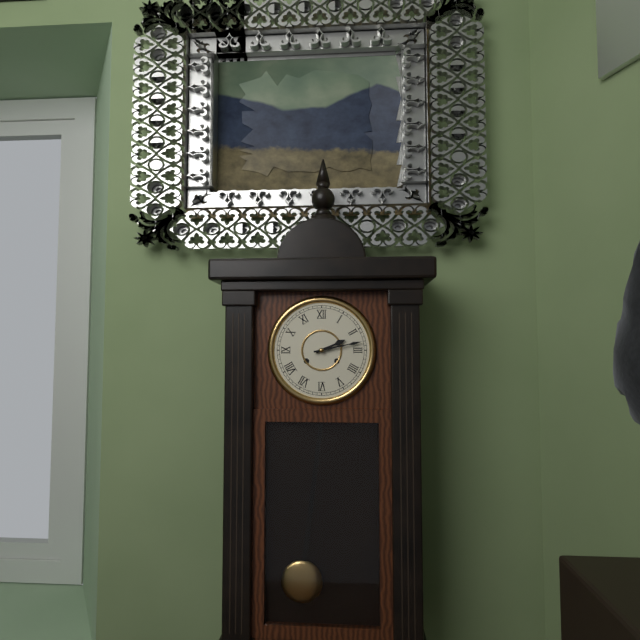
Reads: 2:13
